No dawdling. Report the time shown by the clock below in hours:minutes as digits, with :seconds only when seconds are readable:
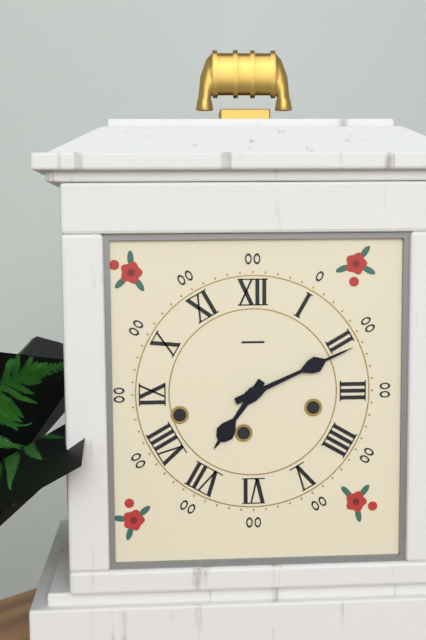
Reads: 7:11
